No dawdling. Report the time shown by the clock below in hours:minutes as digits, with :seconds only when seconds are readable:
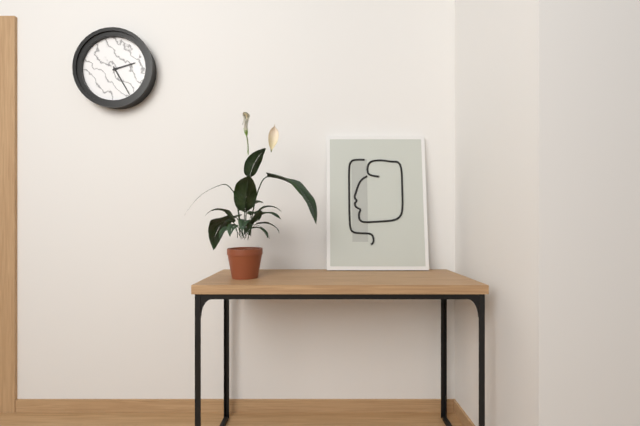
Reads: 2:25
